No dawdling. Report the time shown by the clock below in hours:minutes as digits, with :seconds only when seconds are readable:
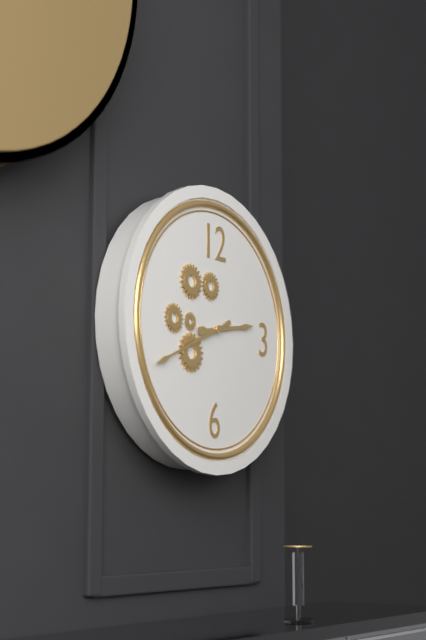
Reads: 2:41
